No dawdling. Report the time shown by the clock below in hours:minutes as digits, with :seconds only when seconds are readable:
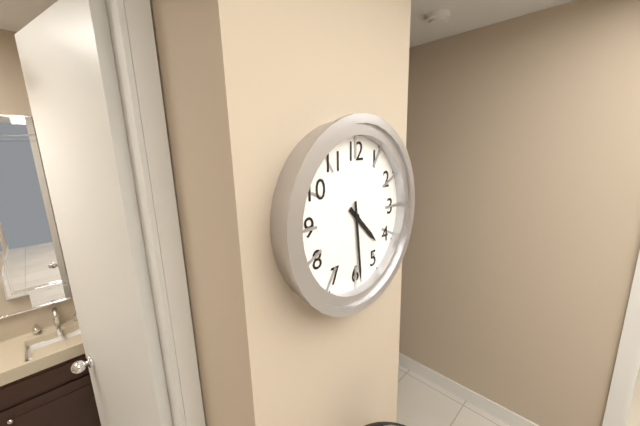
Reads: 4:29
